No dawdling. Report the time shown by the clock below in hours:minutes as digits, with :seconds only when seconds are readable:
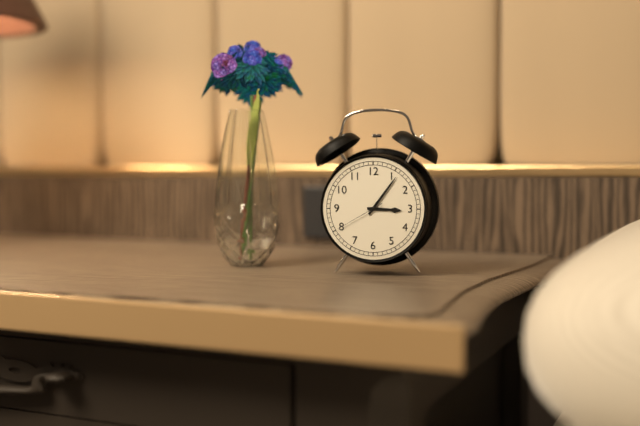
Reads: 3:06:40
